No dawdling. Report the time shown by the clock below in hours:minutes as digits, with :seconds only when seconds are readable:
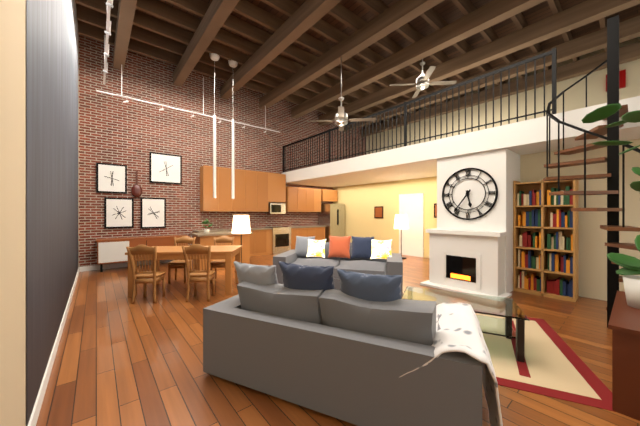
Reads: 5:36
